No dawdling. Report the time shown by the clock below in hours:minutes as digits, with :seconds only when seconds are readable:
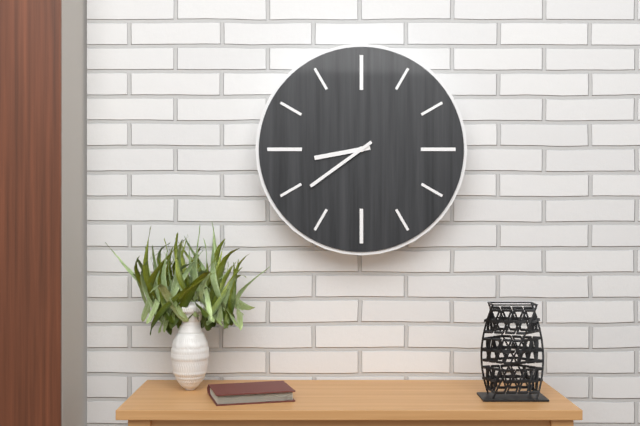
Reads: 8:39
